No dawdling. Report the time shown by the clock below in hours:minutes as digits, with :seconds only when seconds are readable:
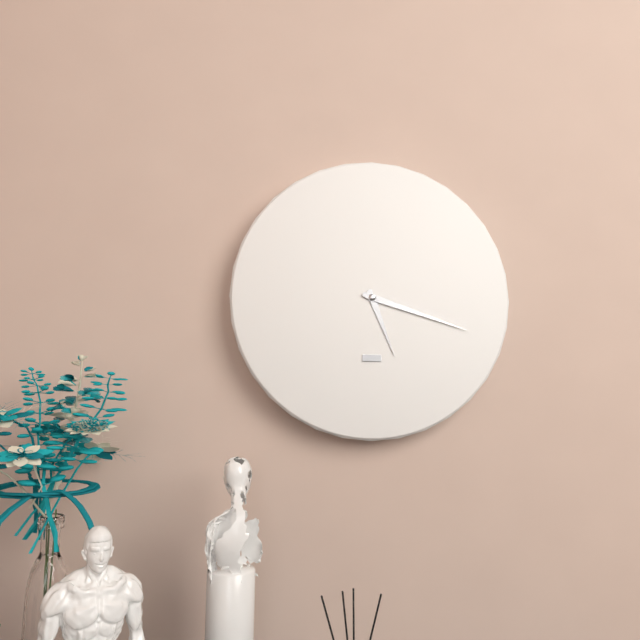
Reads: 5:18
